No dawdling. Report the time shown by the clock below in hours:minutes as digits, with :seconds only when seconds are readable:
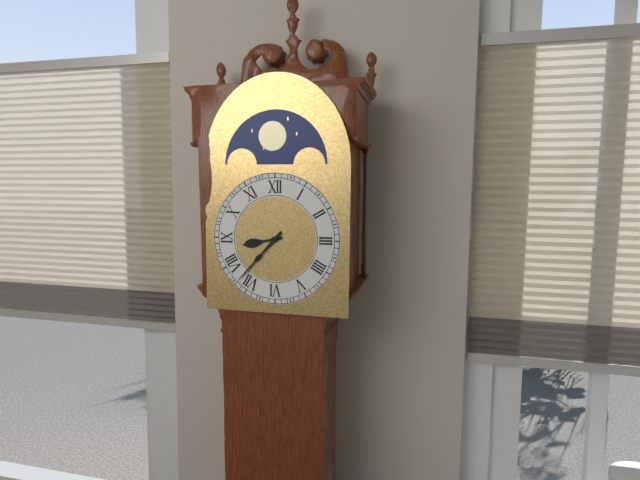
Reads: 8:37
